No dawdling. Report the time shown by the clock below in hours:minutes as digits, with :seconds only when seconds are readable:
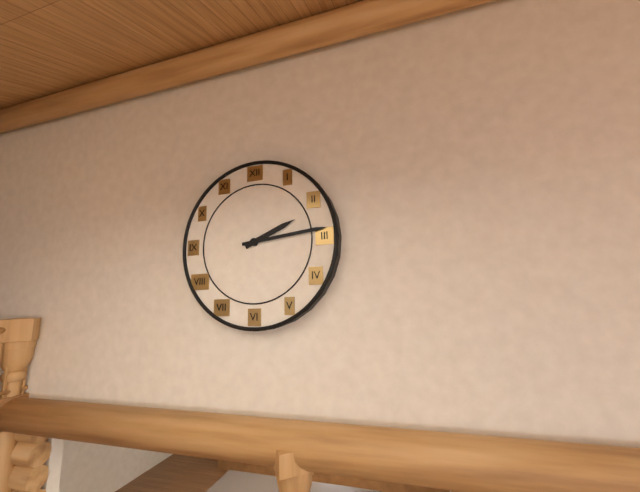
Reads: 2:14
